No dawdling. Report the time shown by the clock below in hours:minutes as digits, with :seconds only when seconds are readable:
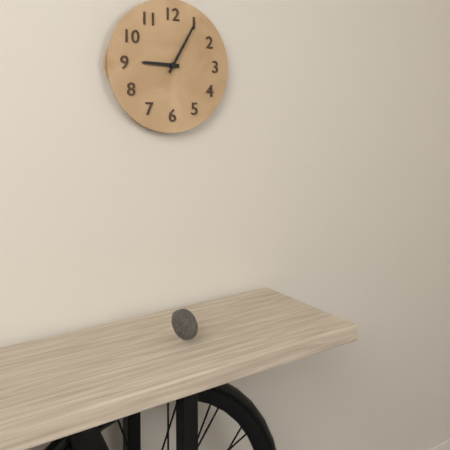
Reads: 9:05
